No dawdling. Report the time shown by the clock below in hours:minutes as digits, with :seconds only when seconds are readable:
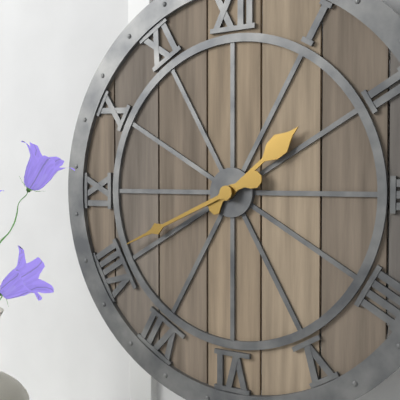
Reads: 1:41
